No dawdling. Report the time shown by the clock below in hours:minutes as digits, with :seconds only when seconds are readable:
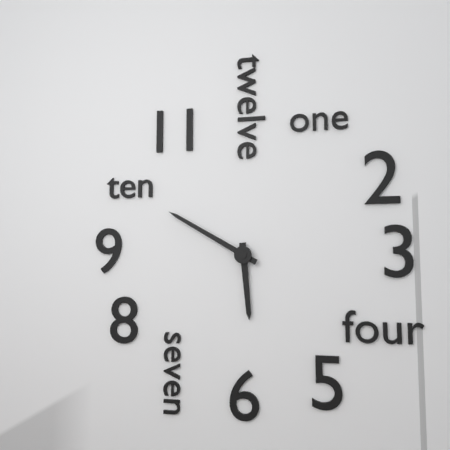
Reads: 5:50
